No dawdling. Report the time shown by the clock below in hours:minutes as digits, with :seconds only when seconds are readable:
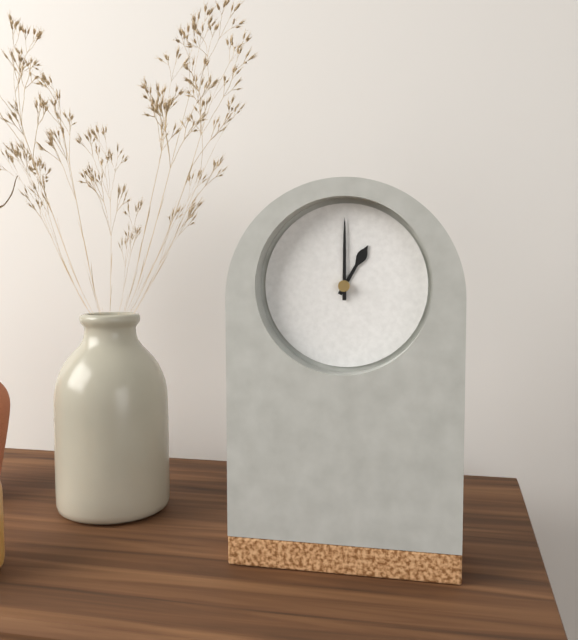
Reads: 1:00
